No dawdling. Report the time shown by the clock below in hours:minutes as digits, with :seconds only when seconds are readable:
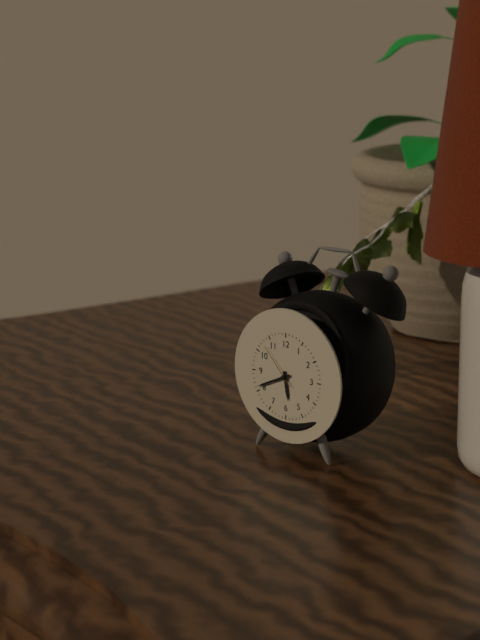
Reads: 5:41
